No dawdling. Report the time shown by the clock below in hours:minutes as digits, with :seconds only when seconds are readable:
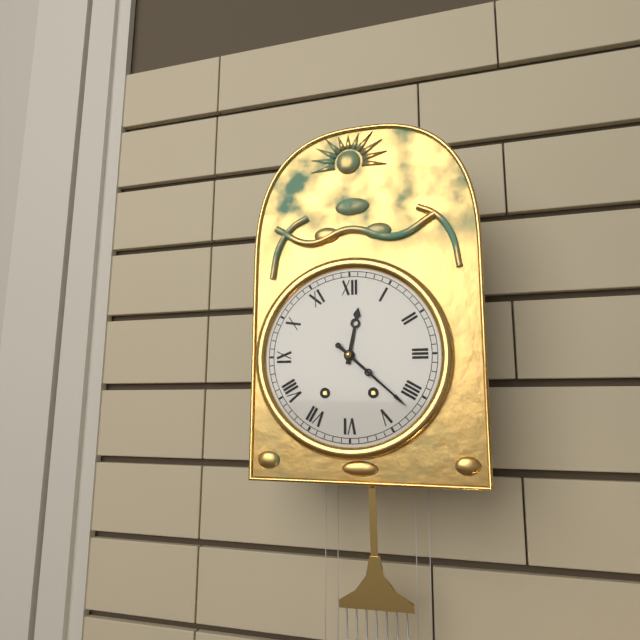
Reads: 12:22
